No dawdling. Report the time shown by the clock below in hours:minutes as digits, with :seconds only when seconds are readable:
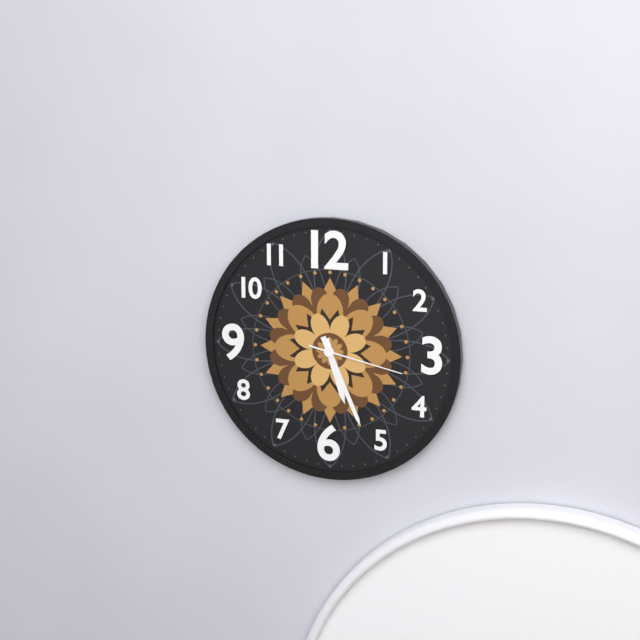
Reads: 5:26:17
